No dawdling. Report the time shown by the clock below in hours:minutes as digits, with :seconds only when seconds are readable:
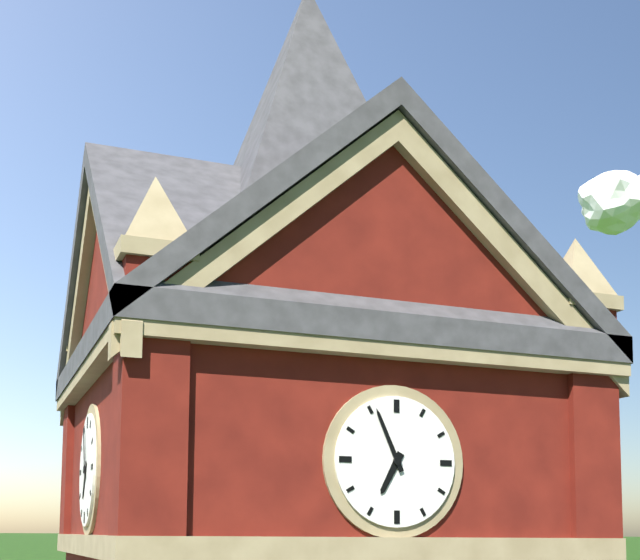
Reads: 6:56
